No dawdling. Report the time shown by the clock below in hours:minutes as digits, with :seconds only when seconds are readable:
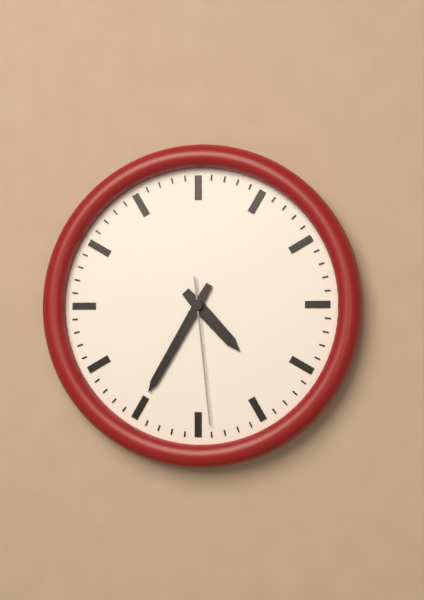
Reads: 4:35:29
